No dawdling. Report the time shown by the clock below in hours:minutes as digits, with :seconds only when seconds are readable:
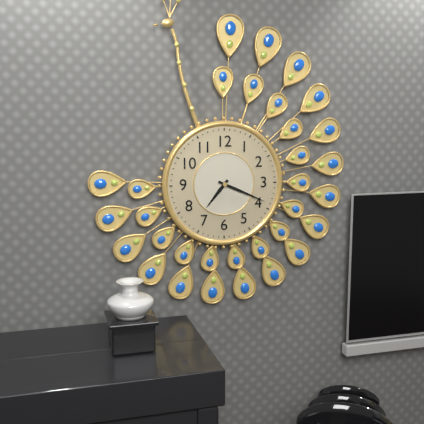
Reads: 7:19
